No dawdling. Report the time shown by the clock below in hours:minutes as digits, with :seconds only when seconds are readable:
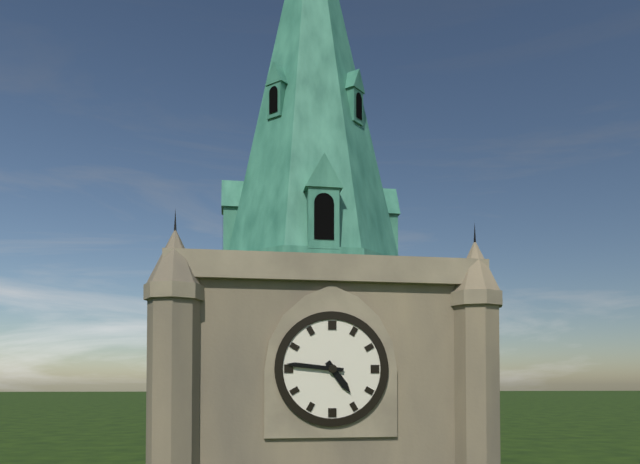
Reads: 4:46
